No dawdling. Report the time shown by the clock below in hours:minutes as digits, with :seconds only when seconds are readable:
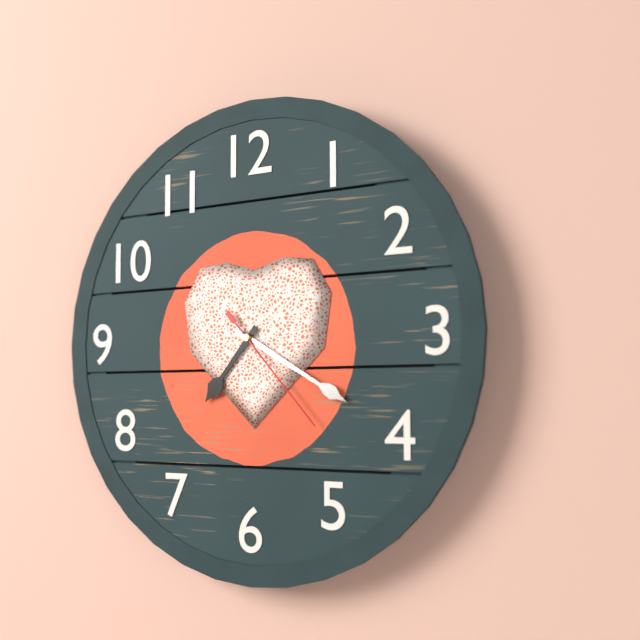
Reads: 7:20:23
